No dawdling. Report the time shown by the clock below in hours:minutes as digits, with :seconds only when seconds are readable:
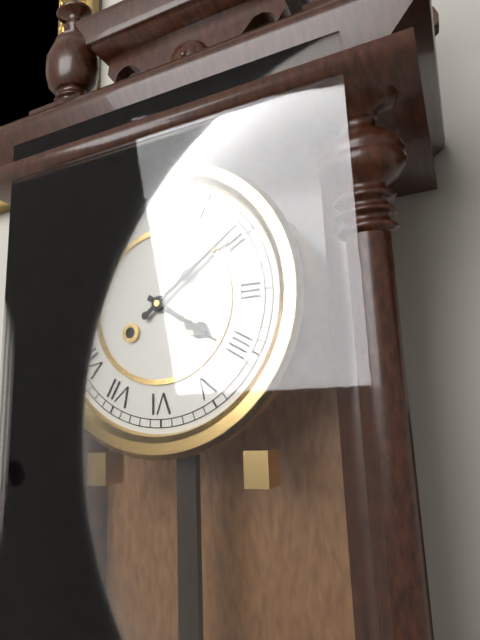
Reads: 4:09
